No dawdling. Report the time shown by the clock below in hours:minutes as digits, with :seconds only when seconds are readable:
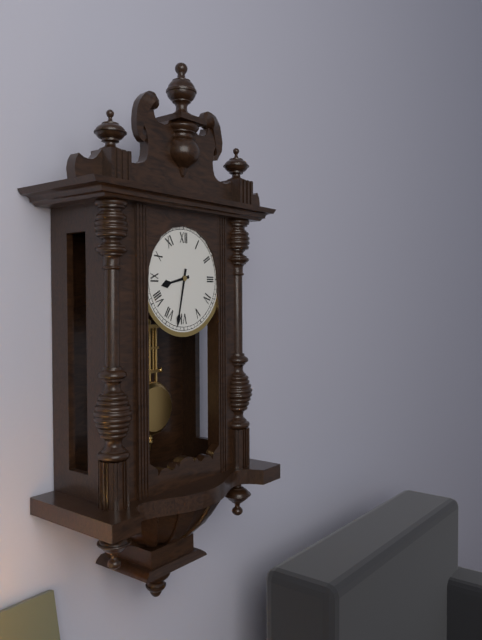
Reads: 8:32
